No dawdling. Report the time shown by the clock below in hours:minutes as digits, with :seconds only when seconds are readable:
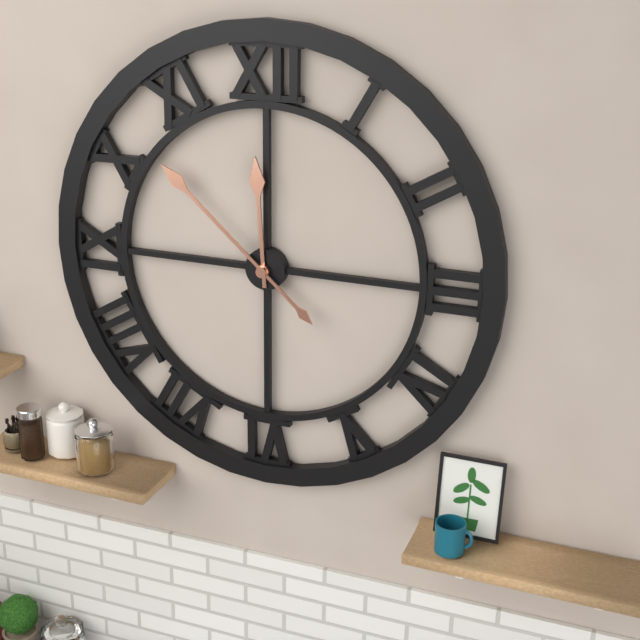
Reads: 11:52
